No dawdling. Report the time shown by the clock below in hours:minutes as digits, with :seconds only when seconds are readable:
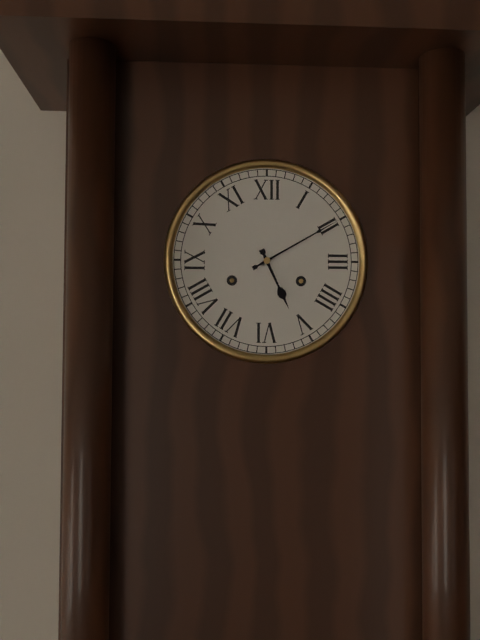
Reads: 5:10
